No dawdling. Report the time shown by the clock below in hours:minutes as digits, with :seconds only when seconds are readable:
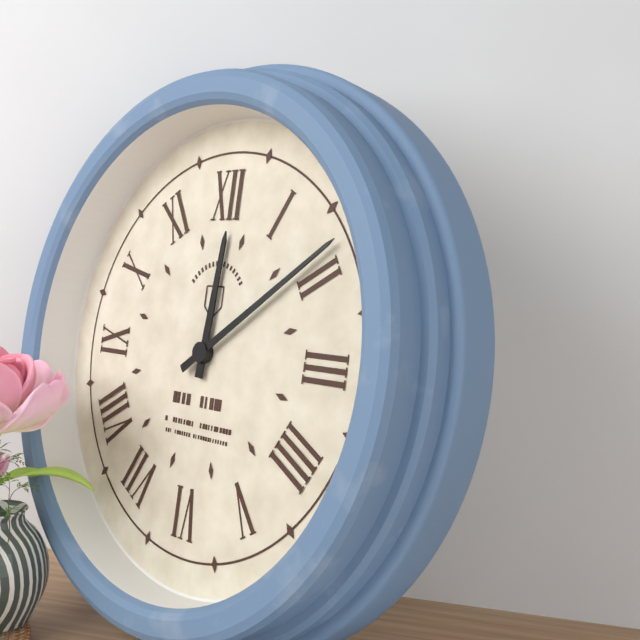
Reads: 12:09
